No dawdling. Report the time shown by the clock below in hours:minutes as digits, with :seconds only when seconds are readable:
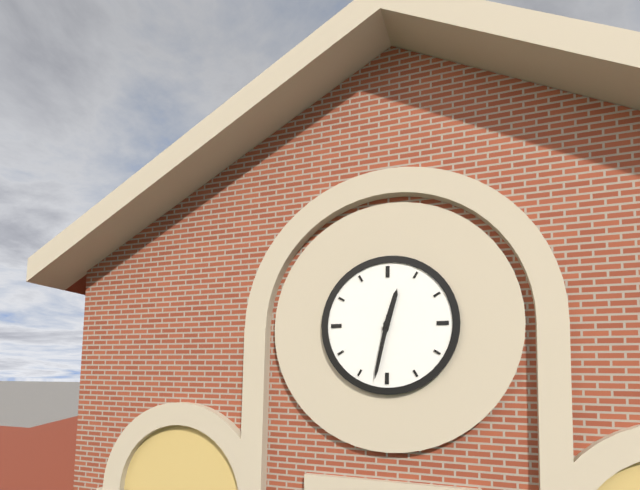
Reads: 12:32
